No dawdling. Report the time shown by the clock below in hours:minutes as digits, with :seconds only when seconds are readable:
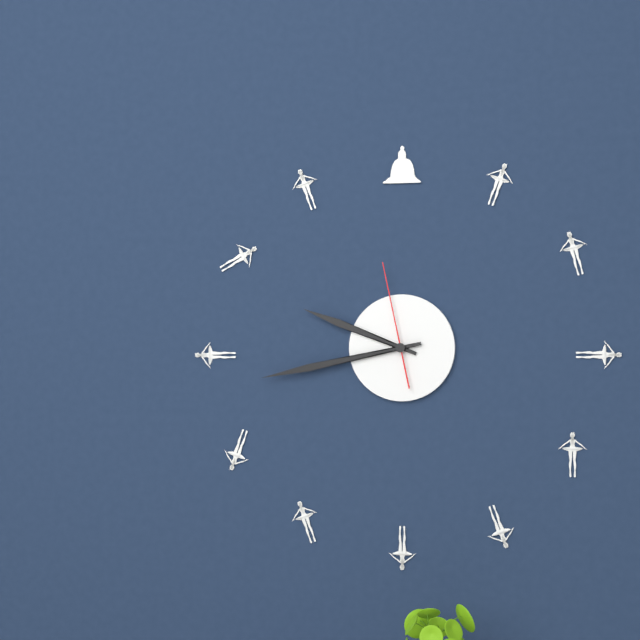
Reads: 9:43:58
